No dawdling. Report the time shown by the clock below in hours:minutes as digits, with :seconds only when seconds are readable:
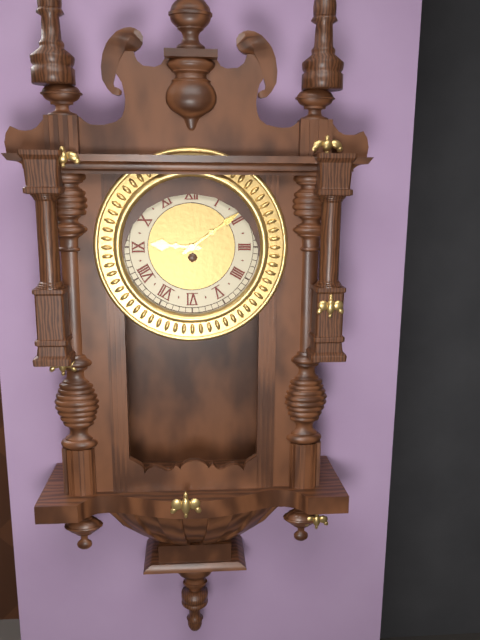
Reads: 9:09
